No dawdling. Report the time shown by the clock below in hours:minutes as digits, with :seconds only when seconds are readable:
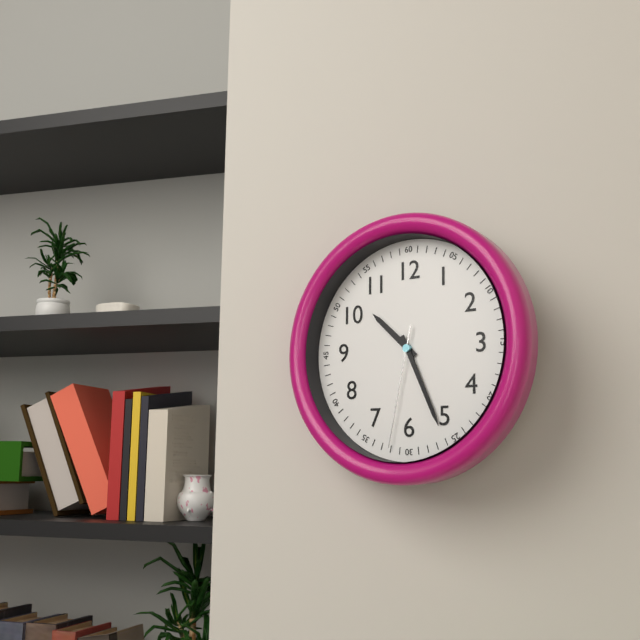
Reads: 10:26:32
